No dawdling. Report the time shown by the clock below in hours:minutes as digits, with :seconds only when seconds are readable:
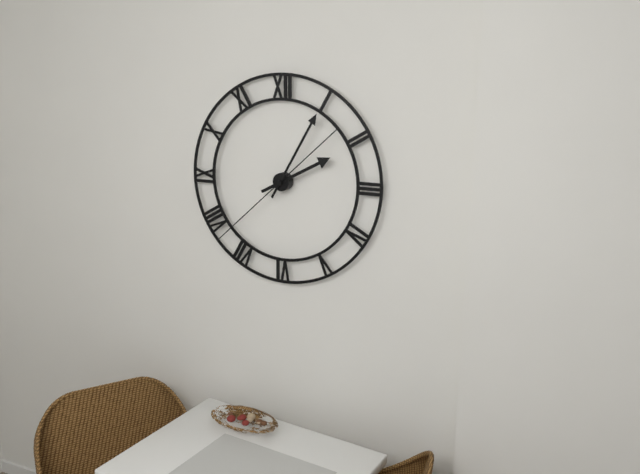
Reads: 2:05:38
